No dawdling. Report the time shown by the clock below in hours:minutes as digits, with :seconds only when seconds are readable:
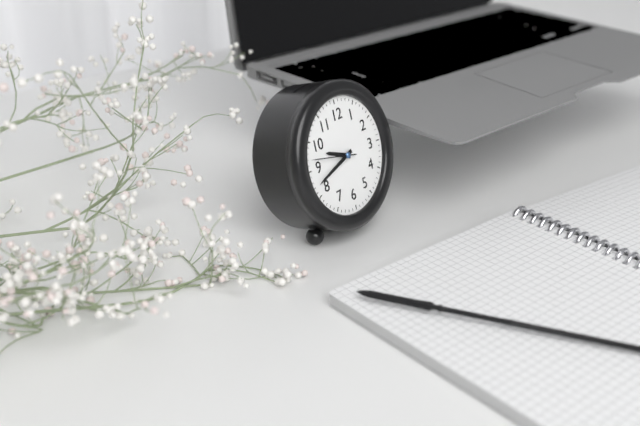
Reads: 9:42
